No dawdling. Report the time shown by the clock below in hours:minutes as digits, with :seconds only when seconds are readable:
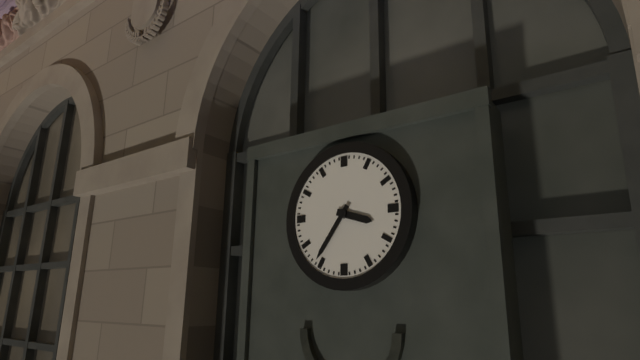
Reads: 3:36
